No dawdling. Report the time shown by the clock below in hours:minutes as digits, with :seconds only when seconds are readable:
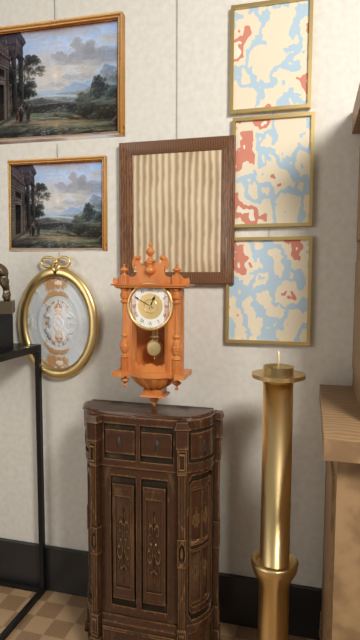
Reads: 12:50
